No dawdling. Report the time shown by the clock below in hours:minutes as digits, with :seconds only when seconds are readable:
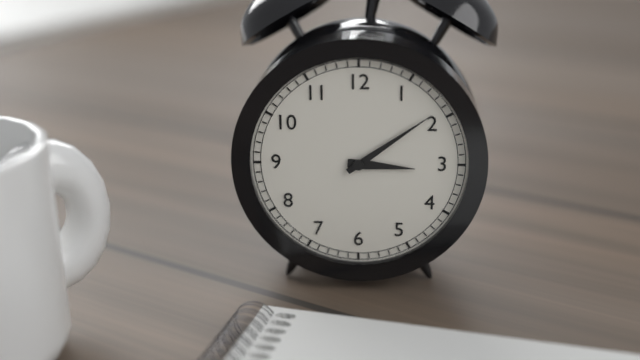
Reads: 3:09
